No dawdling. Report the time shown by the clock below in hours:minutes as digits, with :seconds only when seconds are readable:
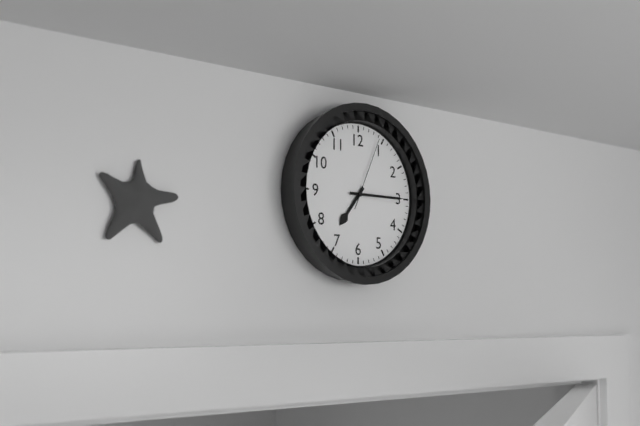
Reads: 7:15:04
